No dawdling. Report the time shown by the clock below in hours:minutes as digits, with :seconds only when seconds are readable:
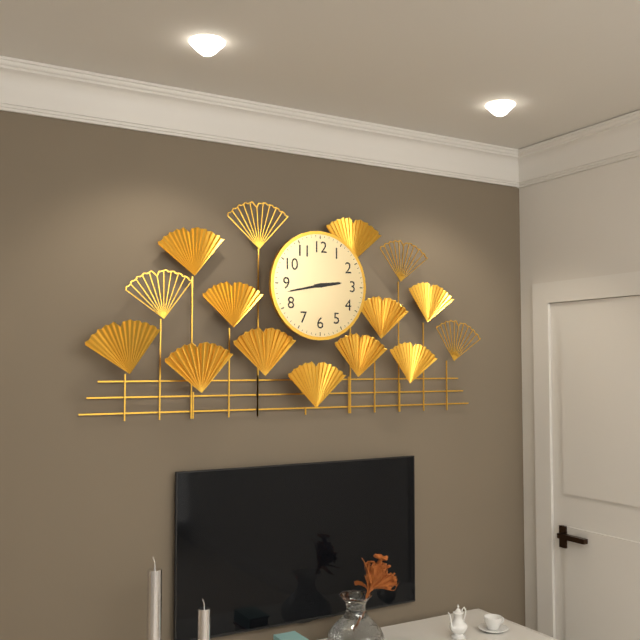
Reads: 2:43
